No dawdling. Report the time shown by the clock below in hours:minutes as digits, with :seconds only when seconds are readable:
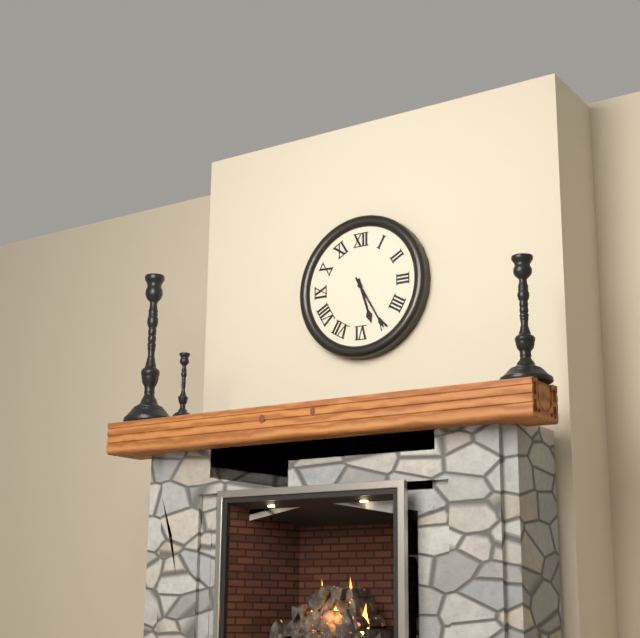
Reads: 5:25
